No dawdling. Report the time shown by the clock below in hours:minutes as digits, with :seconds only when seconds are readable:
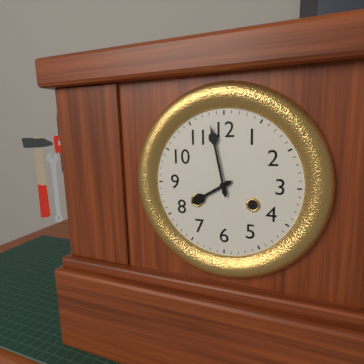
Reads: 7:58
